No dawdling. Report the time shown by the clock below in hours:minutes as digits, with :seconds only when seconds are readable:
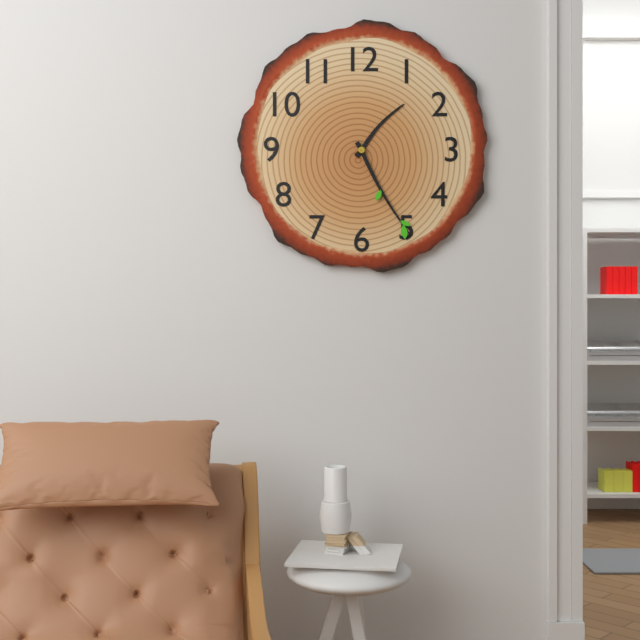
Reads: 1:25
